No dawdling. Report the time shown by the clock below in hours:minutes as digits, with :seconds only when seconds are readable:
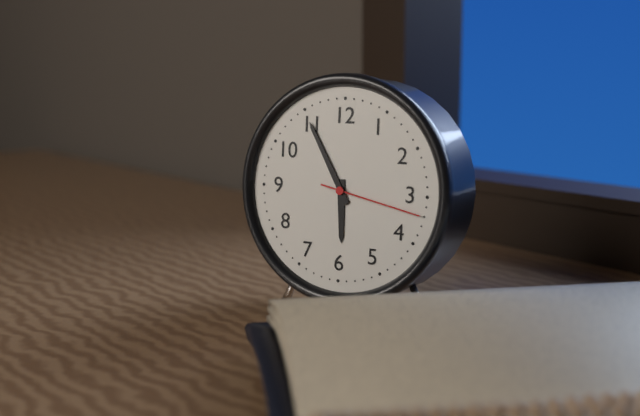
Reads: 5:55:17
